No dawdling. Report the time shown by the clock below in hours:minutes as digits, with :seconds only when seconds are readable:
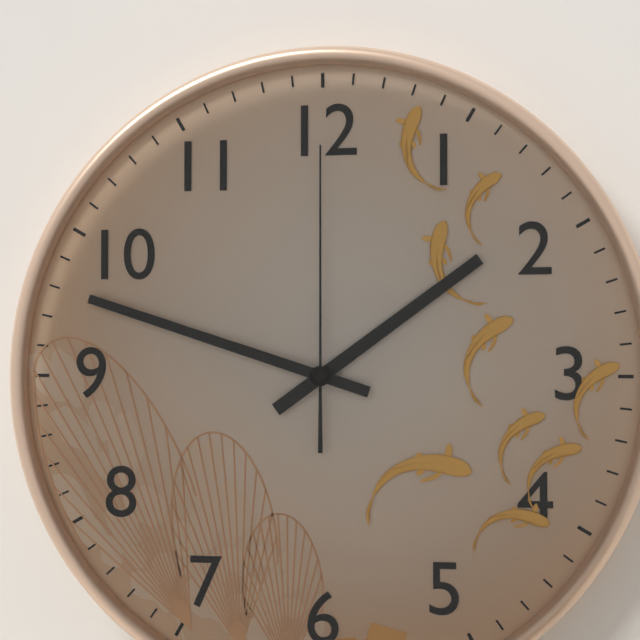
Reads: 1:48:00
